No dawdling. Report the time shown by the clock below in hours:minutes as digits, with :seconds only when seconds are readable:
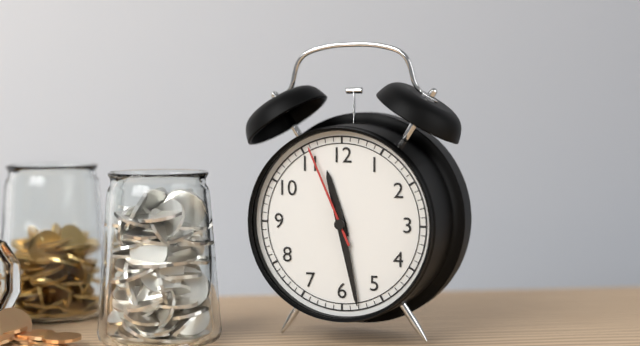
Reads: 11:28:56
